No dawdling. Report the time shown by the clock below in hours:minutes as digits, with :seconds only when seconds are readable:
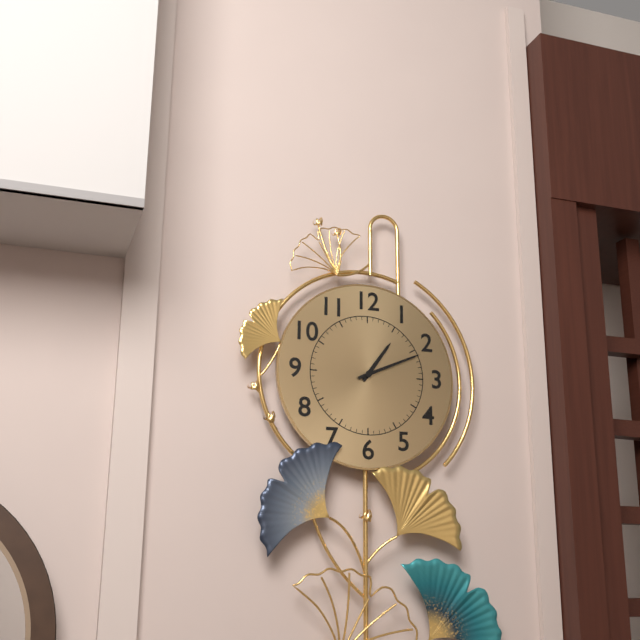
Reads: 1:11
